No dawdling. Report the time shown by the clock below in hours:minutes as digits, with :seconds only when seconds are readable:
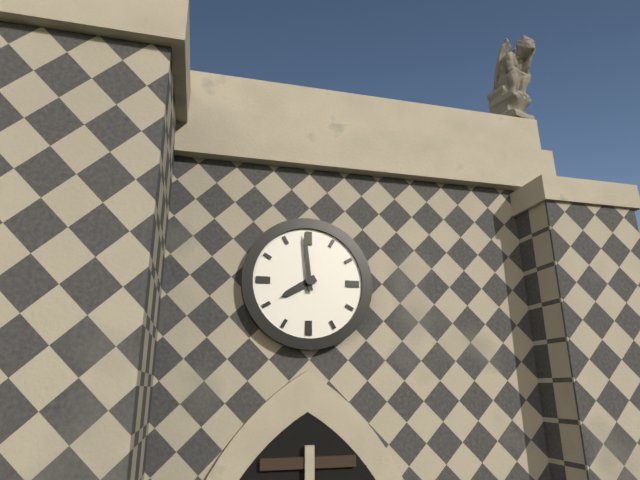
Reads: 7:59
